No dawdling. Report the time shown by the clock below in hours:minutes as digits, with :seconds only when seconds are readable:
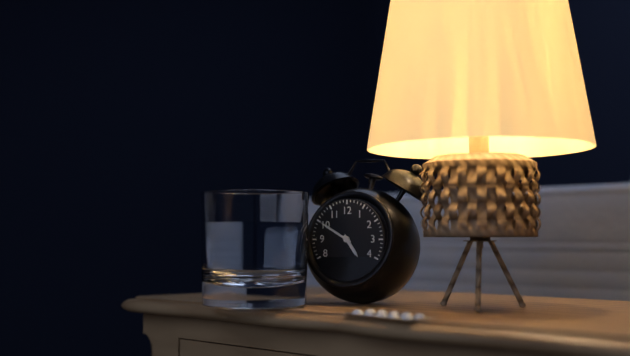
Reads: 4:50
